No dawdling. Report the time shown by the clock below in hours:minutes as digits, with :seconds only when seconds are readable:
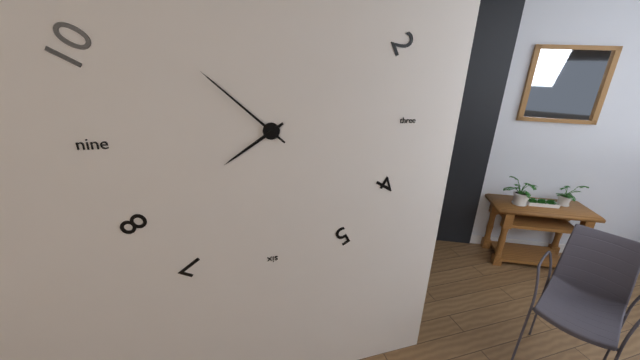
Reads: 7:52
